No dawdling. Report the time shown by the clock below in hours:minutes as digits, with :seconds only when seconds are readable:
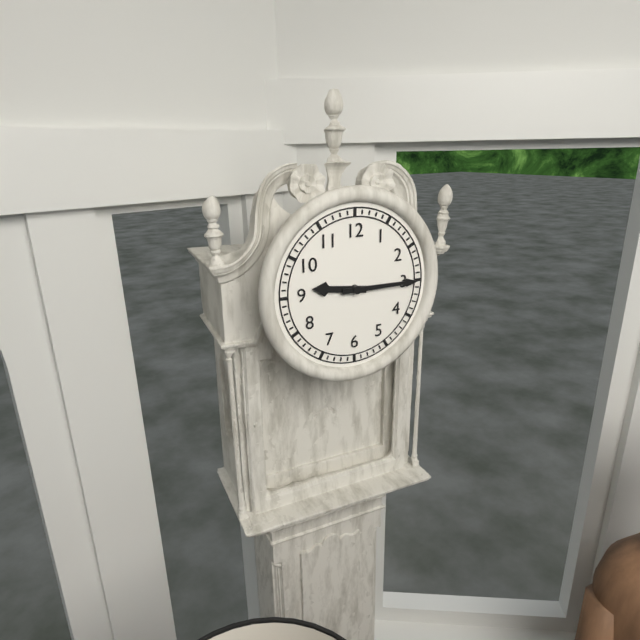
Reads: 9:15
